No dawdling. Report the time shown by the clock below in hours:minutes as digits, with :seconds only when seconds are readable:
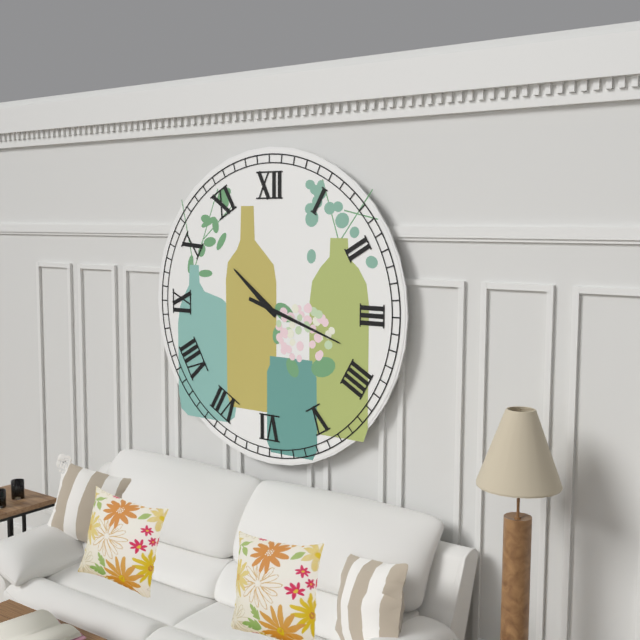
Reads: 10:18
